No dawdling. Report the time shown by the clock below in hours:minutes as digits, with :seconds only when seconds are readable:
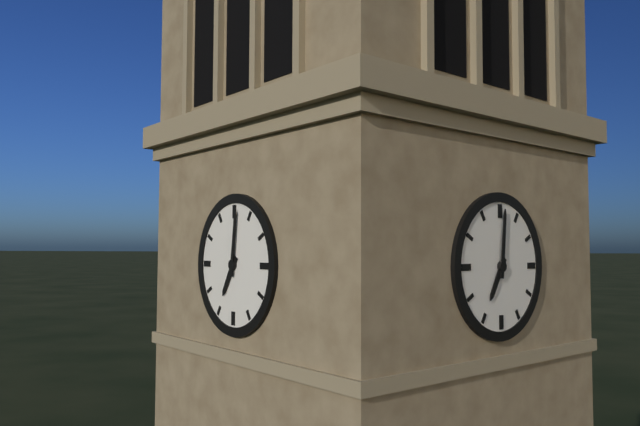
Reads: 7:01
